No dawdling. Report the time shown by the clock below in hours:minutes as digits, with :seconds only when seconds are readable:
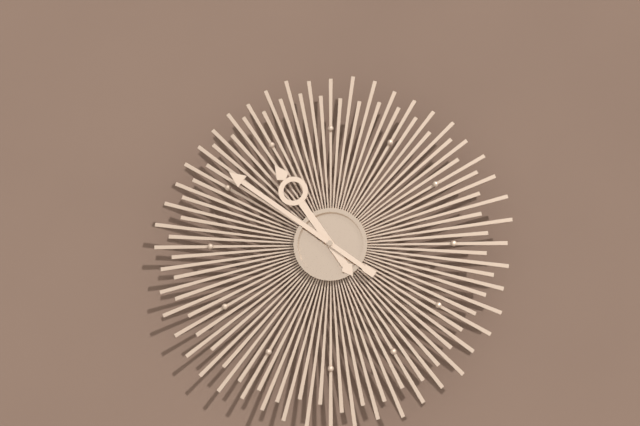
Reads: 10:51
